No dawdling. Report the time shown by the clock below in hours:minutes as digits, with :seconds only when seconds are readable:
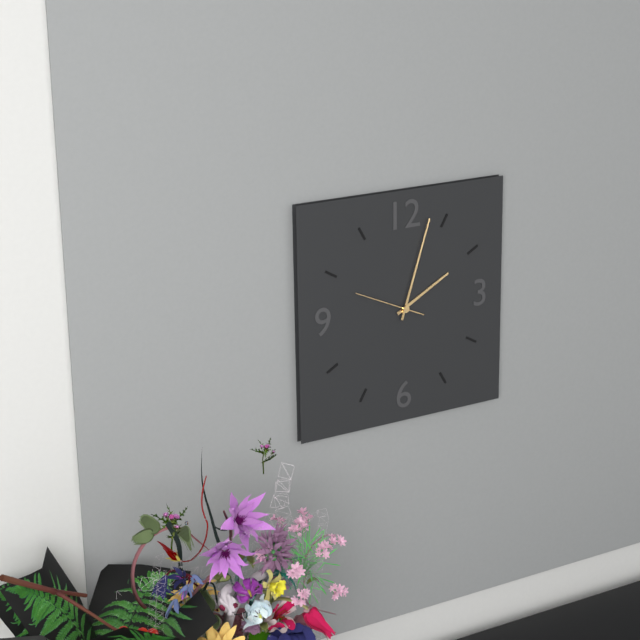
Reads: 2:03:49
